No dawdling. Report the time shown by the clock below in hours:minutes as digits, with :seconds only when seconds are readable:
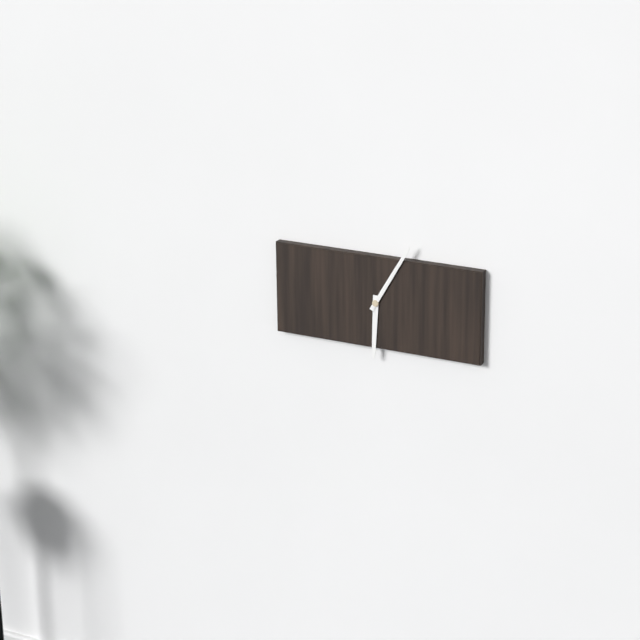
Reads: 6:05
